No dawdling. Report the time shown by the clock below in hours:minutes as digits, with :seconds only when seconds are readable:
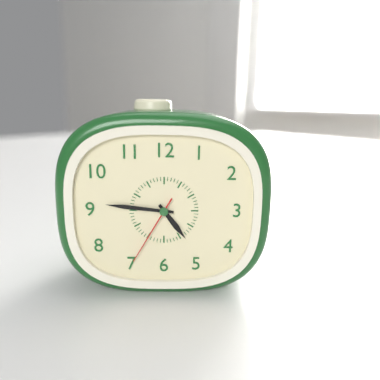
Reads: 4:46:35
